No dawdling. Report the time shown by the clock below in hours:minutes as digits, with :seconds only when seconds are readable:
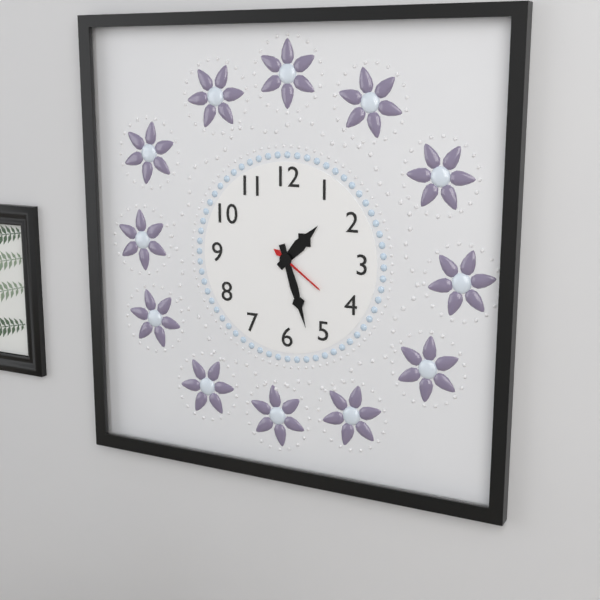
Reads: 1:27:21
